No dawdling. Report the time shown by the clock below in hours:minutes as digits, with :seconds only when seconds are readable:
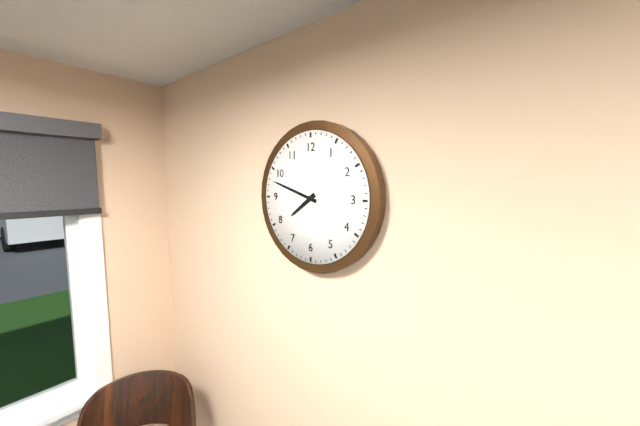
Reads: 7:48
